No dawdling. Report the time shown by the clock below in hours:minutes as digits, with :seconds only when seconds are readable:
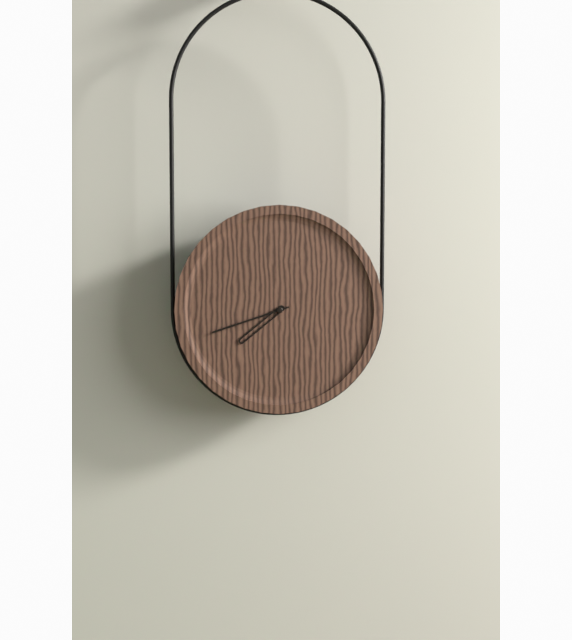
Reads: 7:42
